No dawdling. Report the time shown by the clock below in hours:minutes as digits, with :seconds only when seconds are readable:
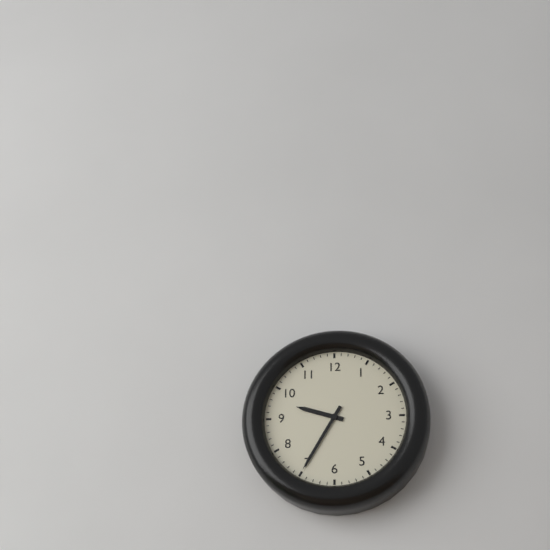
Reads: 9:35
